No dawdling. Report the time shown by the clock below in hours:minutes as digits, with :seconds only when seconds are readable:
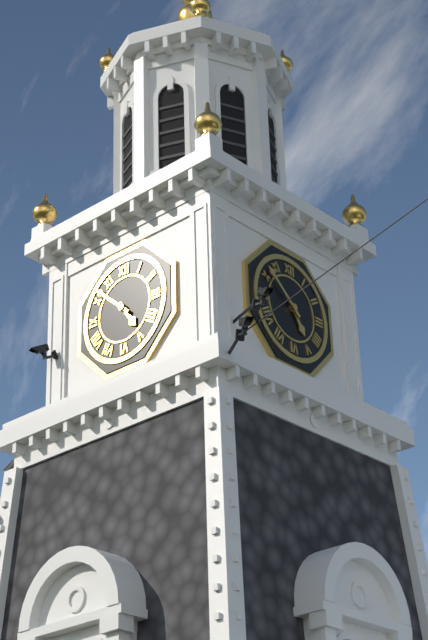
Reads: 4:52
